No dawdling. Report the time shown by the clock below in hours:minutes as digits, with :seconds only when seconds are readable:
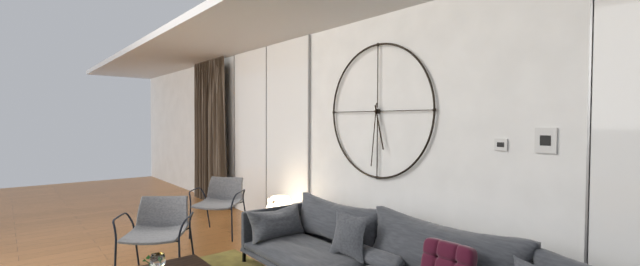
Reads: 5:31
